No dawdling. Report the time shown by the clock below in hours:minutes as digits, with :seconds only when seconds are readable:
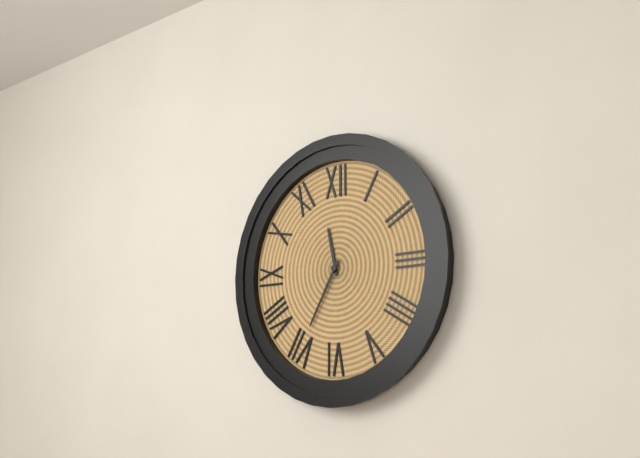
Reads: 11:35
